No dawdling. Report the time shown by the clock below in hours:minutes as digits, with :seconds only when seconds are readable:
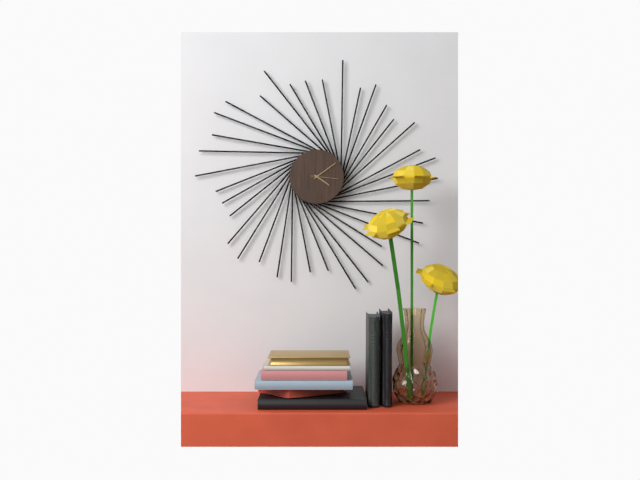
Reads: 4:09
